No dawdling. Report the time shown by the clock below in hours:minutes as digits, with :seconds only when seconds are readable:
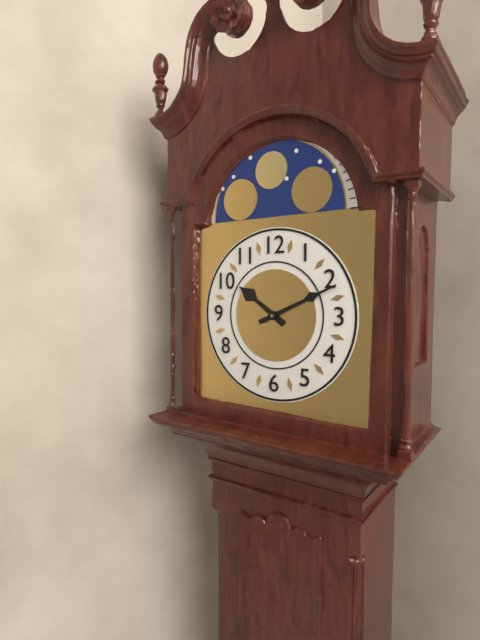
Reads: 10:11
